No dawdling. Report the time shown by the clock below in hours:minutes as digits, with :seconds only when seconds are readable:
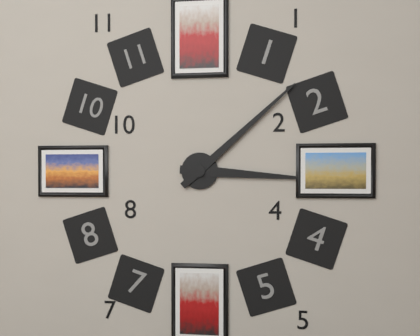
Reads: 3:08
